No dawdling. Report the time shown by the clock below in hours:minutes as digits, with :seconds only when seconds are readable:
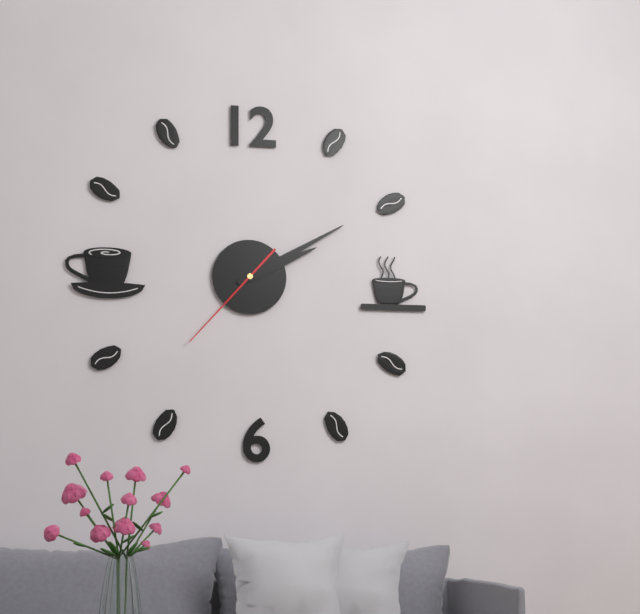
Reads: 2:10:37
